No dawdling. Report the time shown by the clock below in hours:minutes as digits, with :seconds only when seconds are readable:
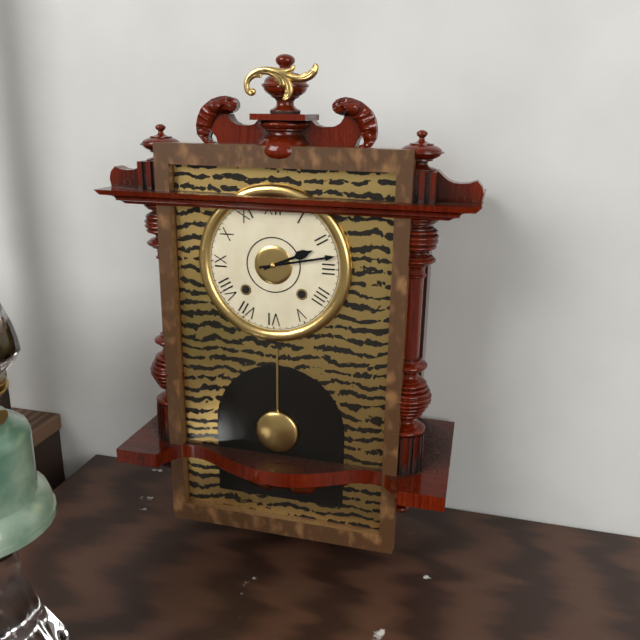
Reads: 2:13
